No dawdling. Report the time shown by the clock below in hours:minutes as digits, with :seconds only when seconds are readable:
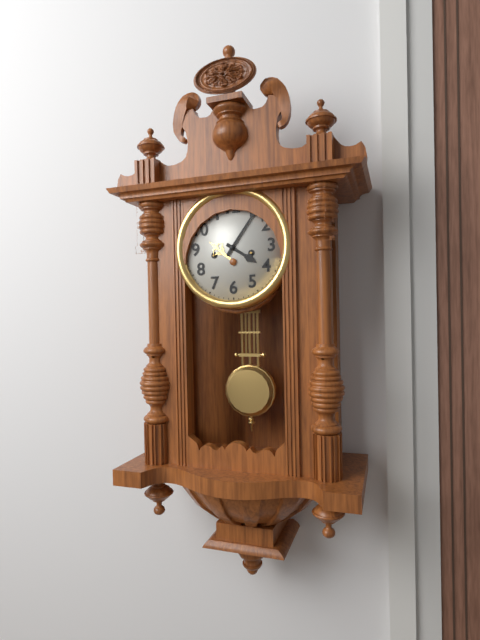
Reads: 4:06
